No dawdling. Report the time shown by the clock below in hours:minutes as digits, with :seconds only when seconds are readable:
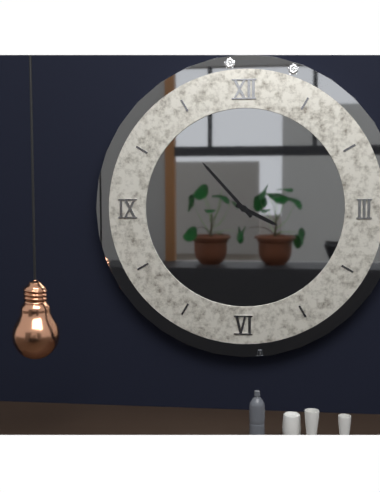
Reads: 3:53
